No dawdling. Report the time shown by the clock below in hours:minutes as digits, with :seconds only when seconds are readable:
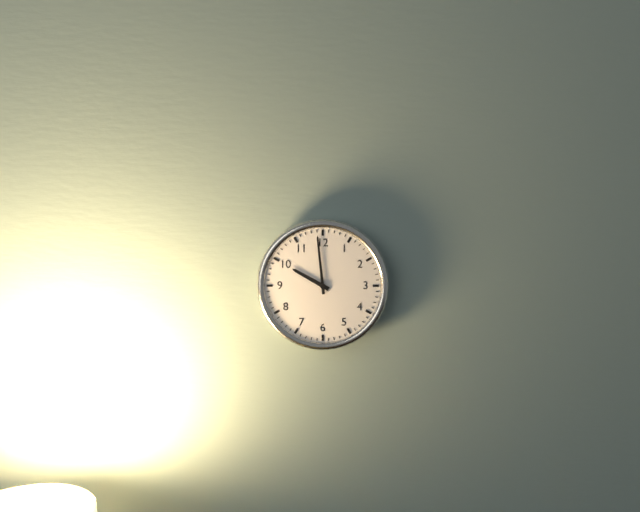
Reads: 9:59
